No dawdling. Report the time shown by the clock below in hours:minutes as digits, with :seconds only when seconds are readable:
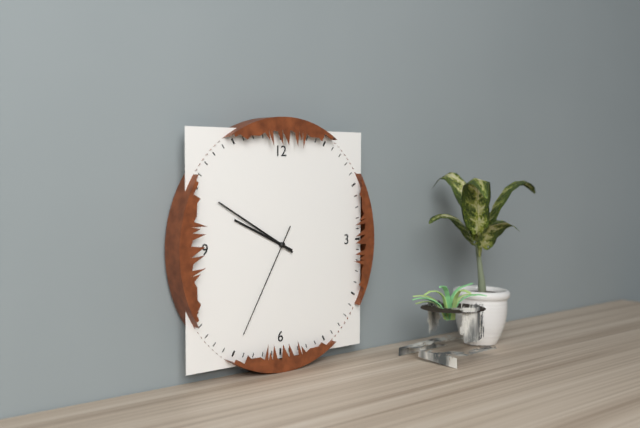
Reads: 9:50:35
